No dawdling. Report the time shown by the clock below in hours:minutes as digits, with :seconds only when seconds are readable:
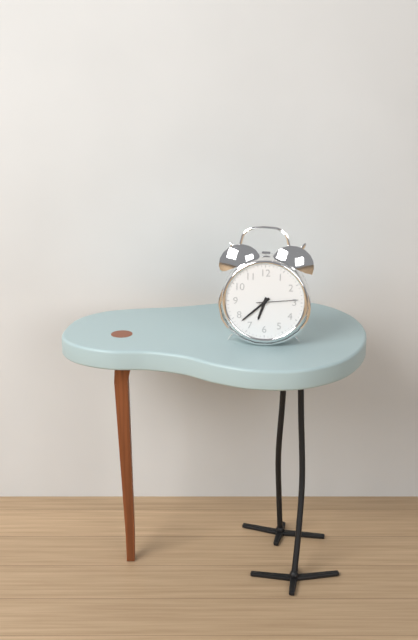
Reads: 6:38
